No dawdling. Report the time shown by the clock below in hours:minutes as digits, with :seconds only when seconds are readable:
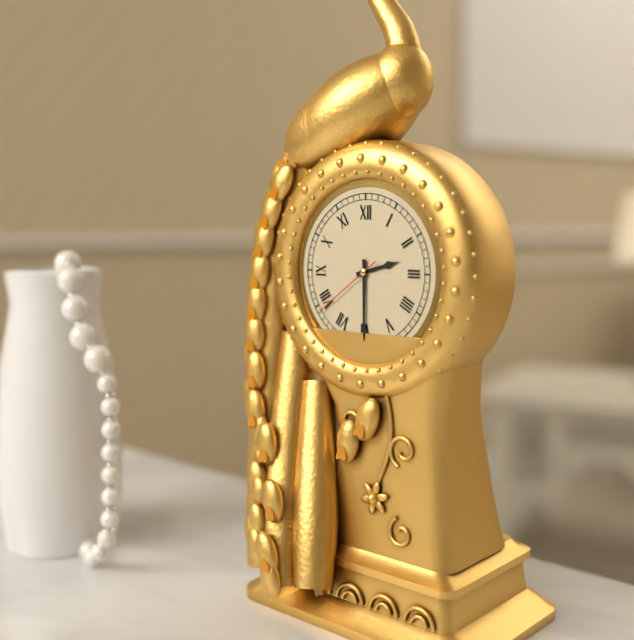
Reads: 2:30:39
